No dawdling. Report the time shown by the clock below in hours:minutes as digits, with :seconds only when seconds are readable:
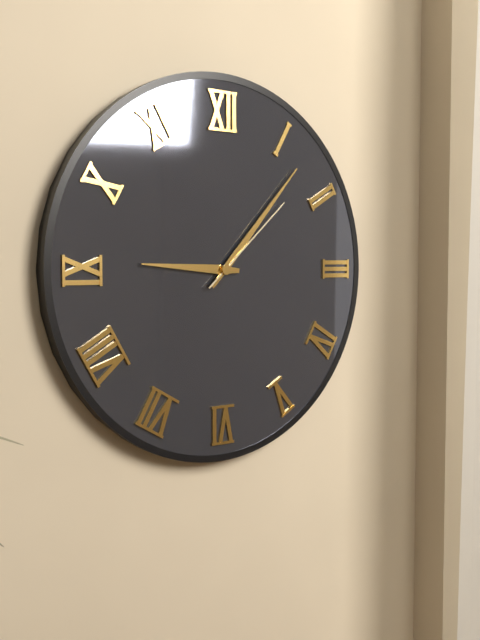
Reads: 9:07:08
